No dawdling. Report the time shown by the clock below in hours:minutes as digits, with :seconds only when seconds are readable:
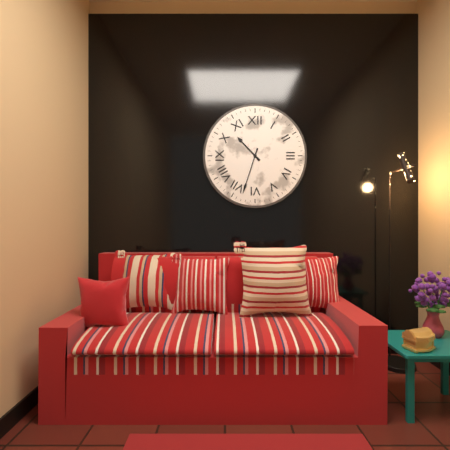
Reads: 10:33
